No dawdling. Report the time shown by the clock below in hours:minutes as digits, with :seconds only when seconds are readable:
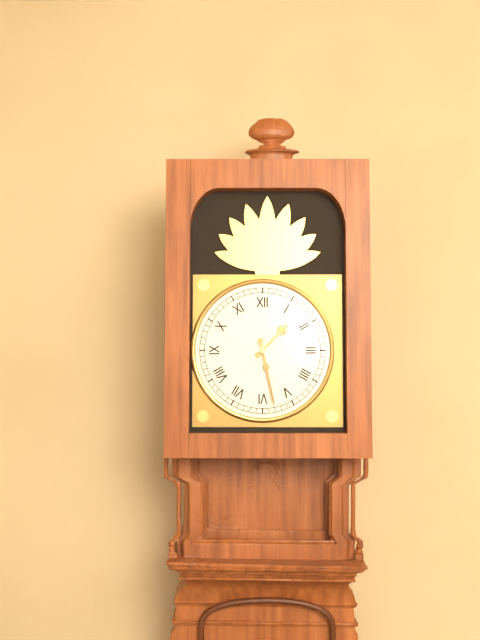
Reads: 1:28
